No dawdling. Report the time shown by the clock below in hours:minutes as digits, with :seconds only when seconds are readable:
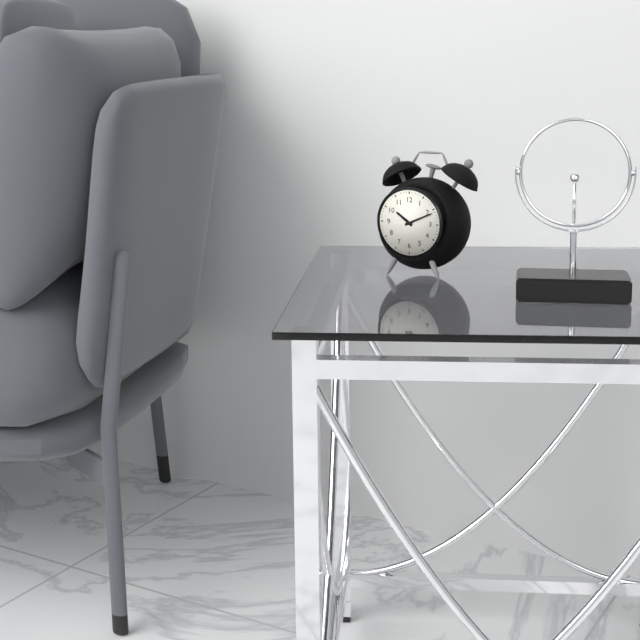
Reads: 10:11
